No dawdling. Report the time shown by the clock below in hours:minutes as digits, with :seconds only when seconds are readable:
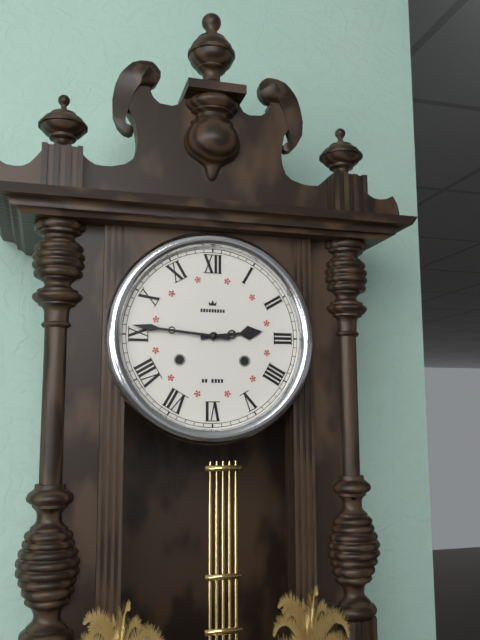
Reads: 2:46
